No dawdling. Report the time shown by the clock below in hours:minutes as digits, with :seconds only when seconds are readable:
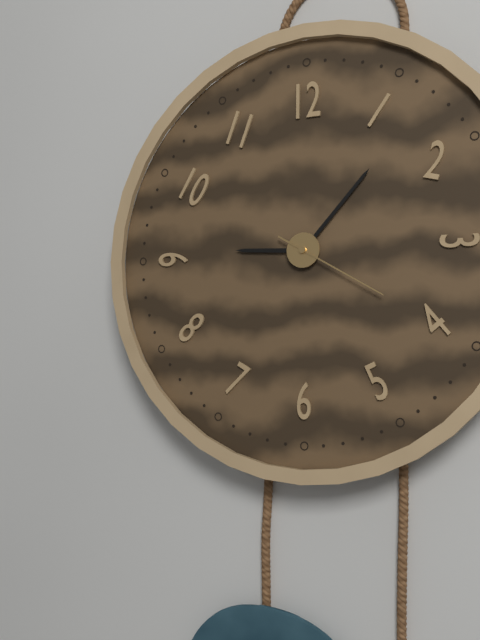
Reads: 9:07:20
